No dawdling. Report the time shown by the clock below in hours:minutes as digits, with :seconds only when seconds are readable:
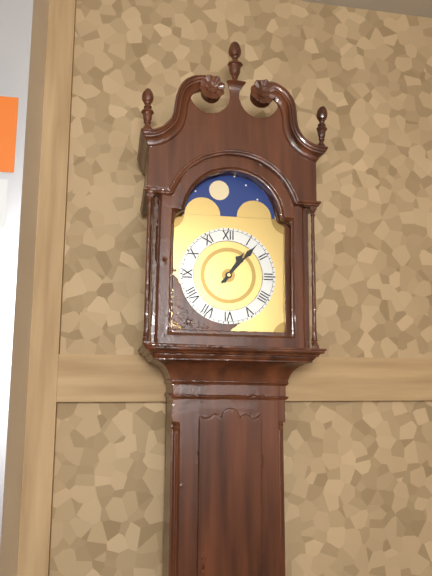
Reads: 1:07
